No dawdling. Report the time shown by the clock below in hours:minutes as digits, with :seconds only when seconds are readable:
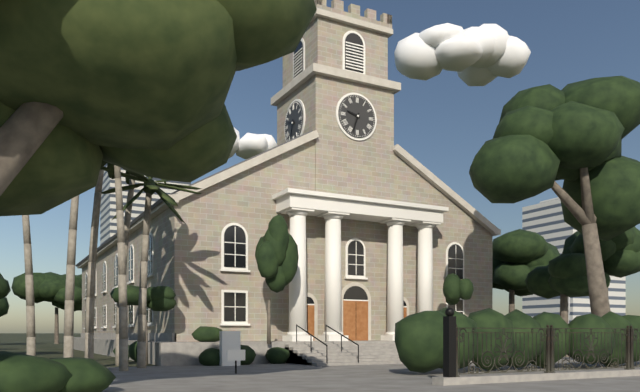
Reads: 9:33
